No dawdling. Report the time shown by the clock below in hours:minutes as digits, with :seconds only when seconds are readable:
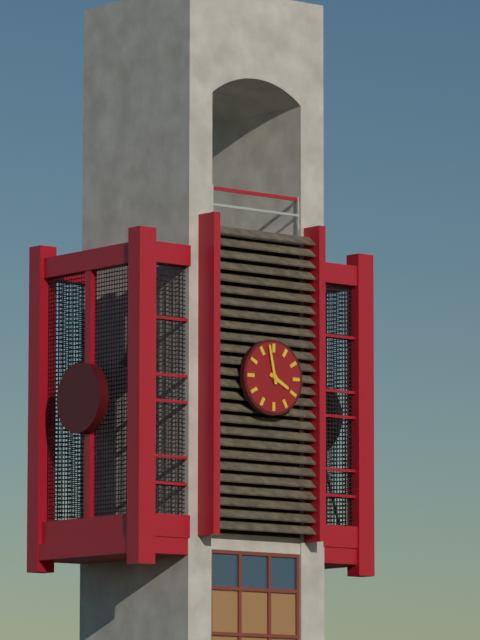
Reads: 3:58
